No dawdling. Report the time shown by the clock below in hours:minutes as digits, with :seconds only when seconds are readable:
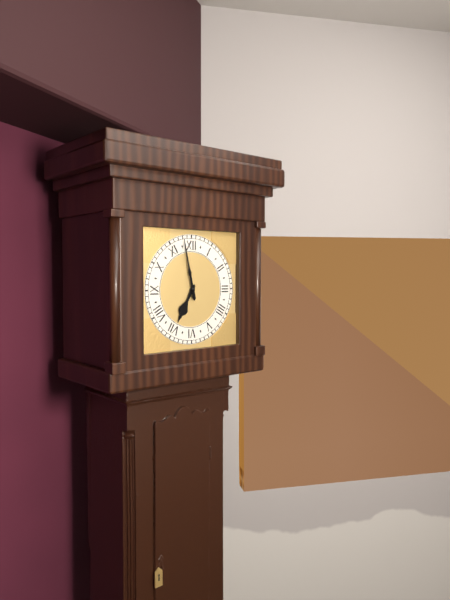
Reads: 6:58
